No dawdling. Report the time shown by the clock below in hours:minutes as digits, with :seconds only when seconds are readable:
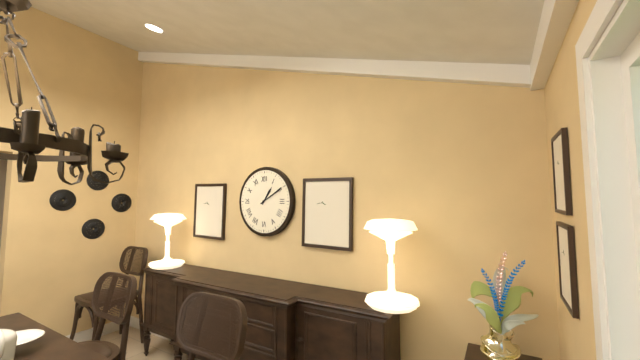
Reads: 1:10
